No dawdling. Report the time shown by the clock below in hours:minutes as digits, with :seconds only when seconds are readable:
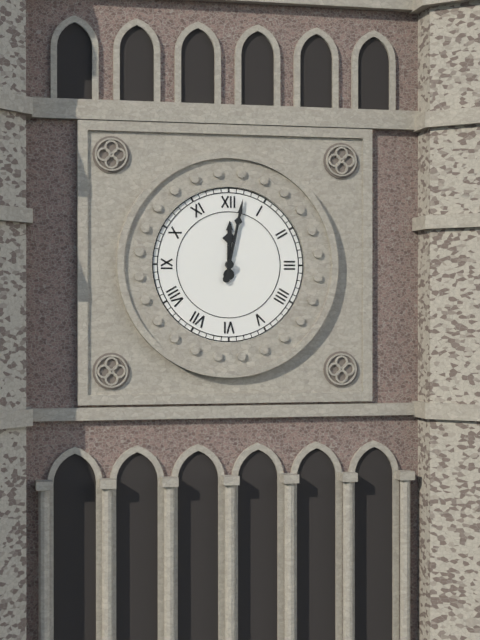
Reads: 12:02
